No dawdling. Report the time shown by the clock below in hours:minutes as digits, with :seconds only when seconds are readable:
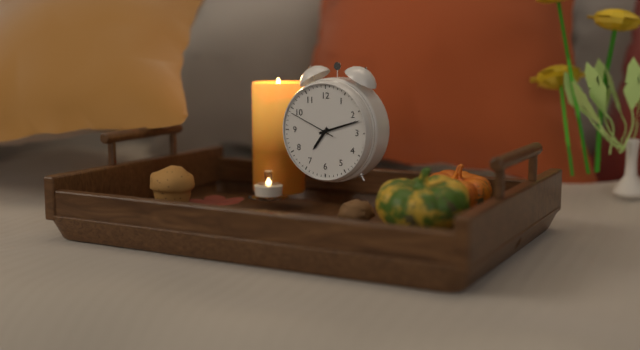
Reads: 7:12
